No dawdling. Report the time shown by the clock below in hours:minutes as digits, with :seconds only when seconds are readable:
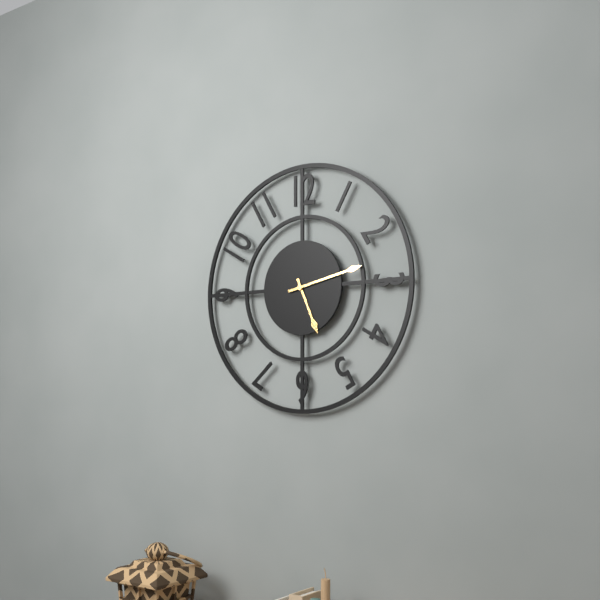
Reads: 5:13
